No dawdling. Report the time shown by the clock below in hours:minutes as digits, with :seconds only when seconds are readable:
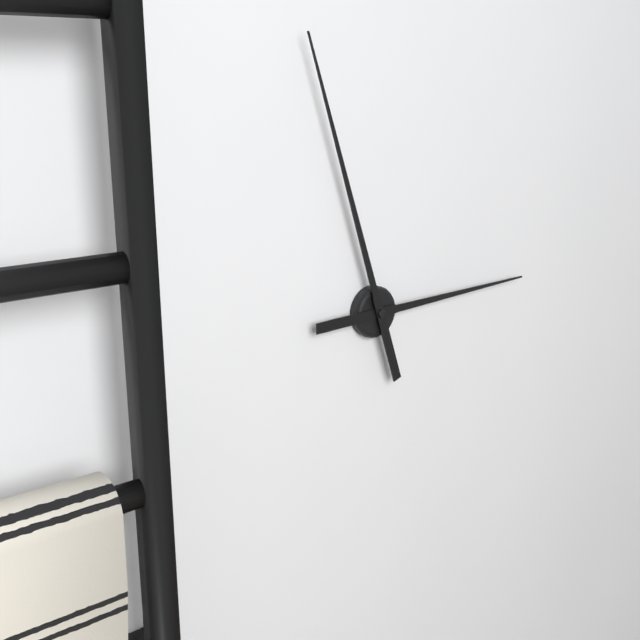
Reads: 2:57
